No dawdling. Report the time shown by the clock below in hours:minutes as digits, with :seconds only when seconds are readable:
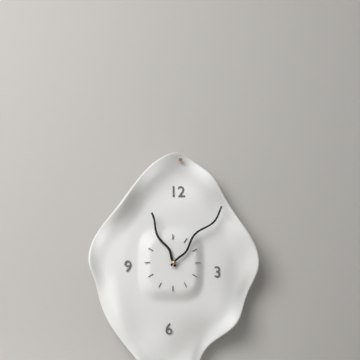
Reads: 11:07
